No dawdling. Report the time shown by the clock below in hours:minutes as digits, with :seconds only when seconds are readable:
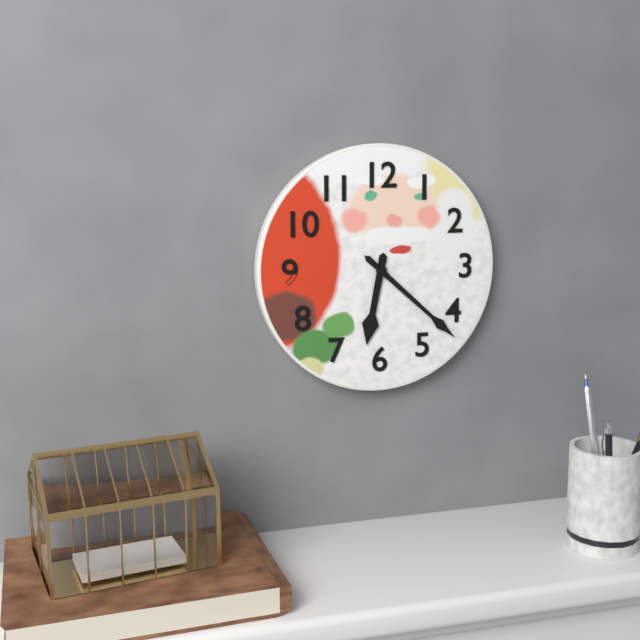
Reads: 6:22
